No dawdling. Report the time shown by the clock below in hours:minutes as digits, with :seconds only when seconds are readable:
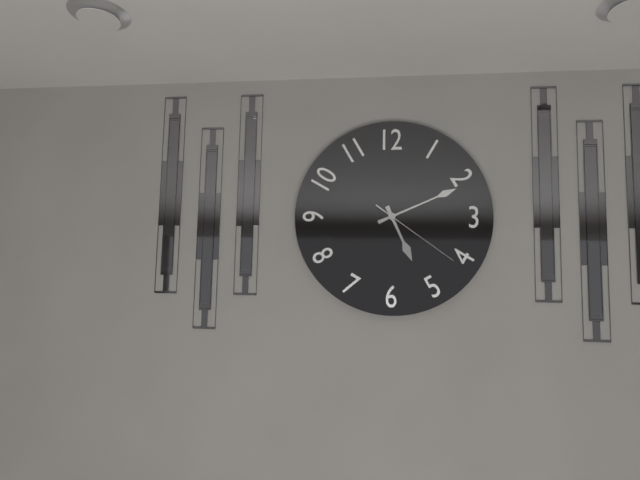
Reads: 5:11:21
